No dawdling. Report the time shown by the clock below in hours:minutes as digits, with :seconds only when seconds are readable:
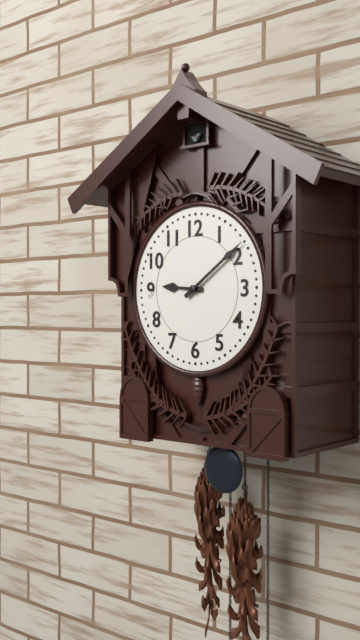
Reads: 9:09
